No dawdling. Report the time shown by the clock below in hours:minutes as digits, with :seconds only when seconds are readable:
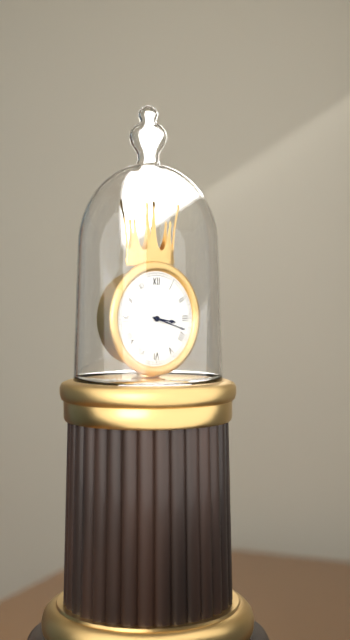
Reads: 3:18
